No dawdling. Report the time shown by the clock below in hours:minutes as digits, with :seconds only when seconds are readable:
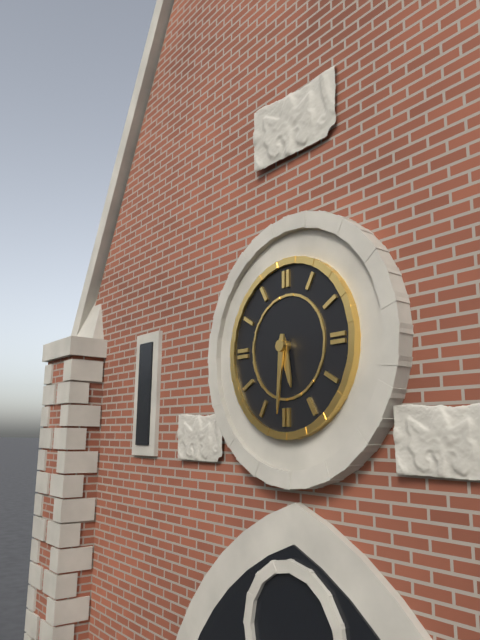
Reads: 5:31
